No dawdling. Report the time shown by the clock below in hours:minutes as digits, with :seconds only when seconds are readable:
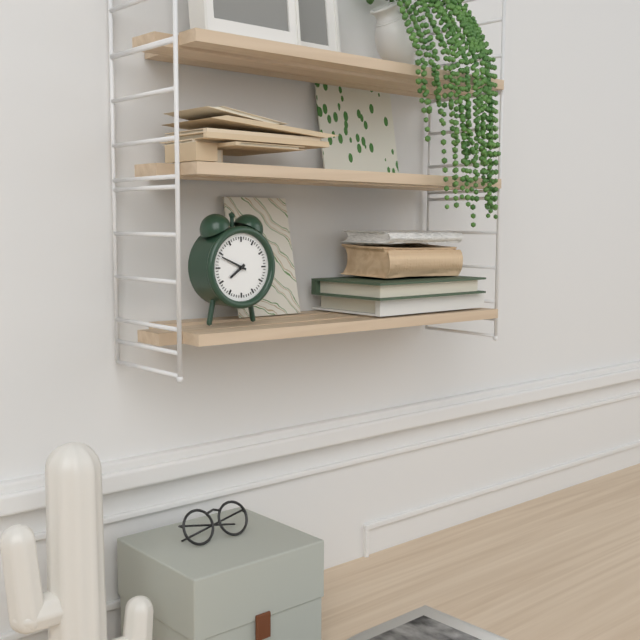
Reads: 7:49
